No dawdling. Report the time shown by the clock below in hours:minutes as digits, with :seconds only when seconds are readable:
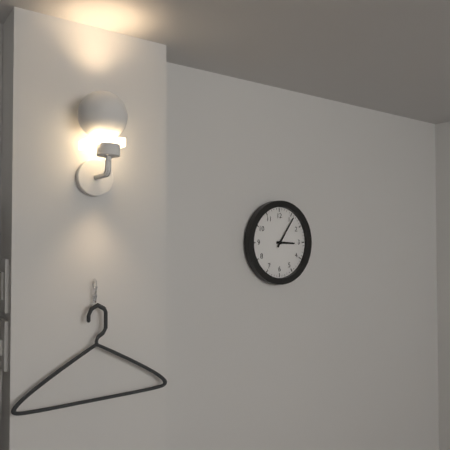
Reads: 3:06
